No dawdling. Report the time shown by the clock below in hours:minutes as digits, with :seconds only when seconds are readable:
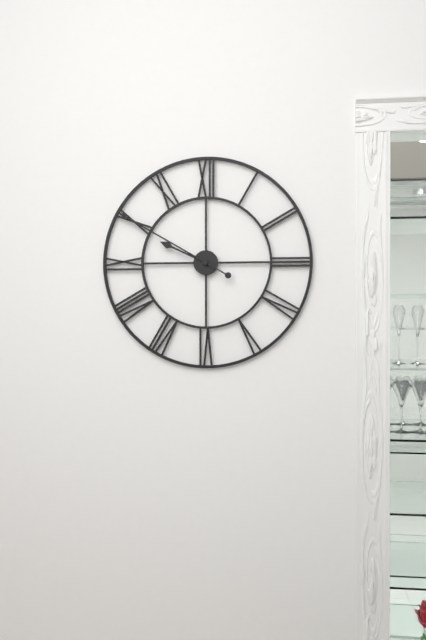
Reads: 9:50
